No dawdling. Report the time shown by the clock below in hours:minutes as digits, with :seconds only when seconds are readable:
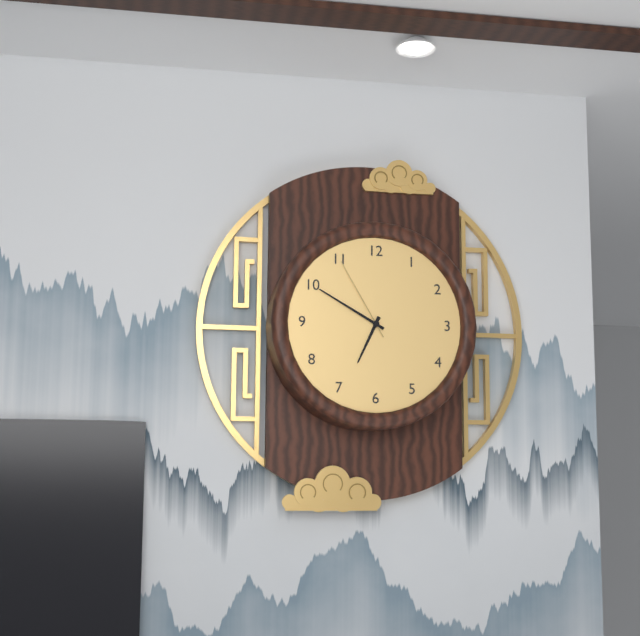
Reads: 6:50:55
